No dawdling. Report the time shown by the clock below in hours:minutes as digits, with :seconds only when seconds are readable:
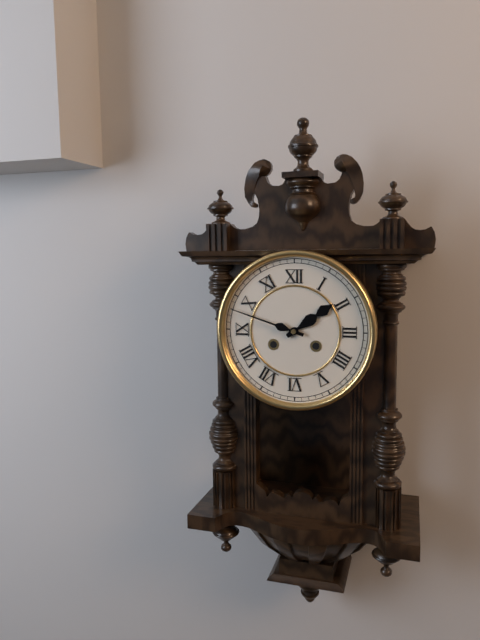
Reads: 1:48
